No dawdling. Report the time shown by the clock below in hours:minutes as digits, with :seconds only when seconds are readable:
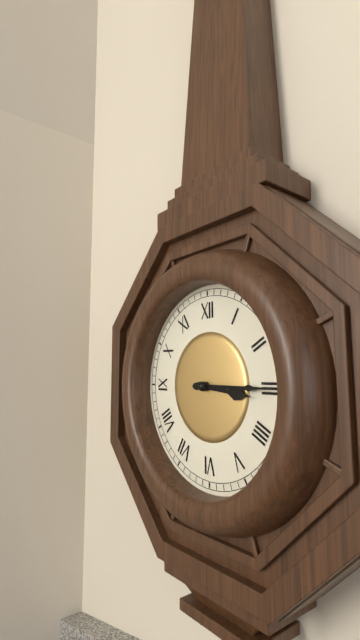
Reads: 3:15
